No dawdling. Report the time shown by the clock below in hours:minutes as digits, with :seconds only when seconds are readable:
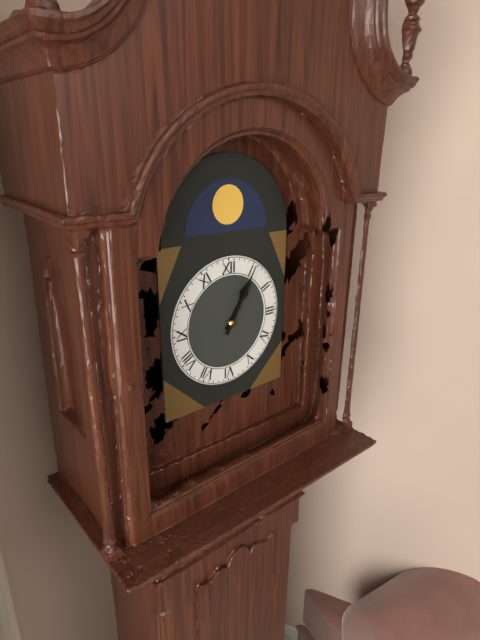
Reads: 1:05
